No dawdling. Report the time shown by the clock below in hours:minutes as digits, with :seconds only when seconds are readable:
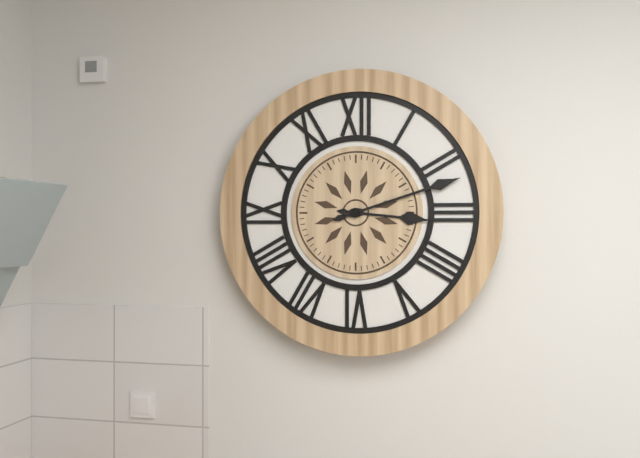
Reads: 3:12
